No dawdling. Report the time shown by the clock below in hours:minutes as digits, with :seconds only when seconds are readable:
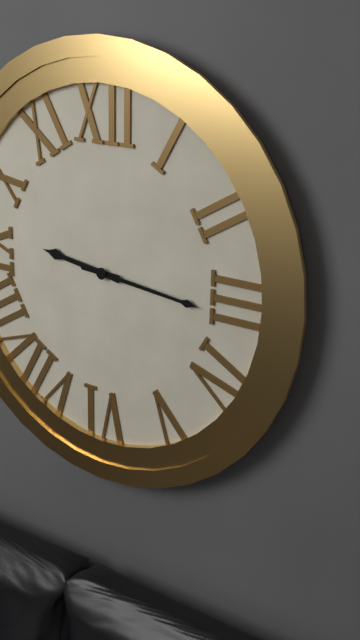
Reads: 9:16
